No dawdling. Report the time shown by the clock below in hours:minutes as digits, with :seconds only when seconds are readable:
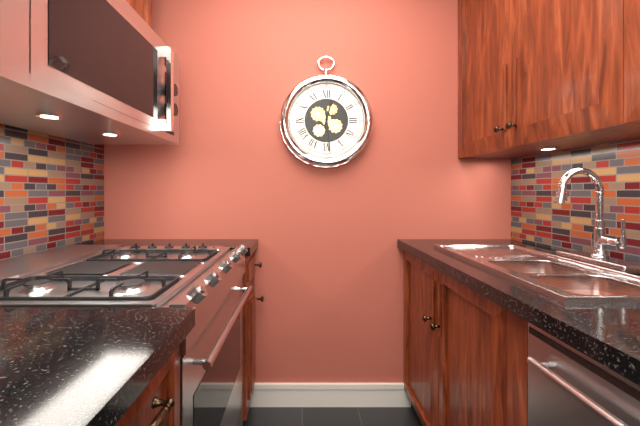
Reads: 12:29
